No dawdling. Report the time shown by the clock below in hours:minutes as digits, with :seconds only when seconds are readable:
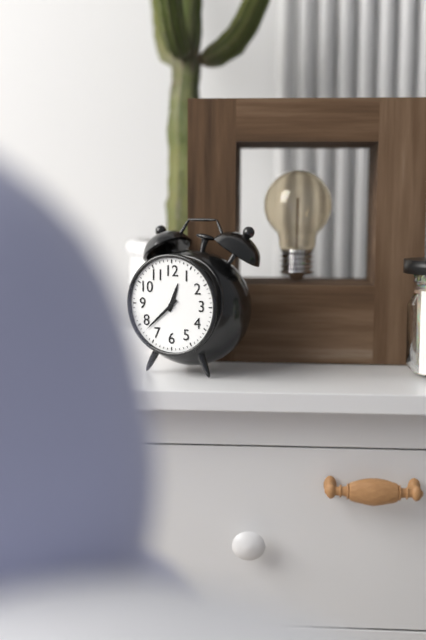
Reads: 12:38
